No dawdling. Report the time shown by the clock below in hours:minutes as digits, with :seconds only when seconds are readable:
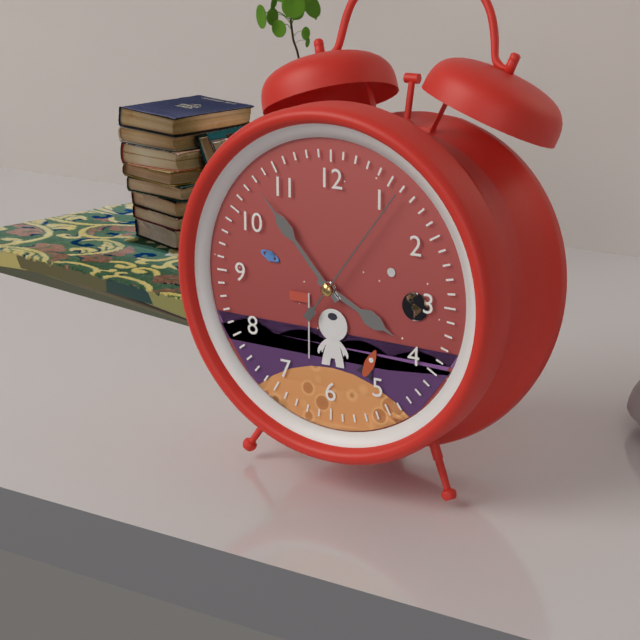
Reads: 3:53:06
